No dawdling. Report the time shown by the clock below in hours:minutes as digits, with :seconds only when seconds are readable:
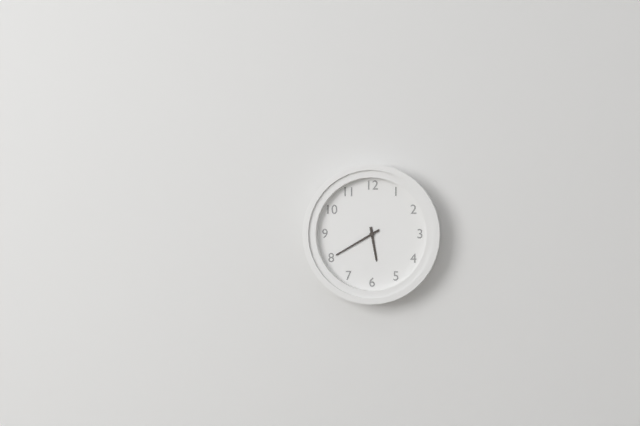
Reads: 5:40
